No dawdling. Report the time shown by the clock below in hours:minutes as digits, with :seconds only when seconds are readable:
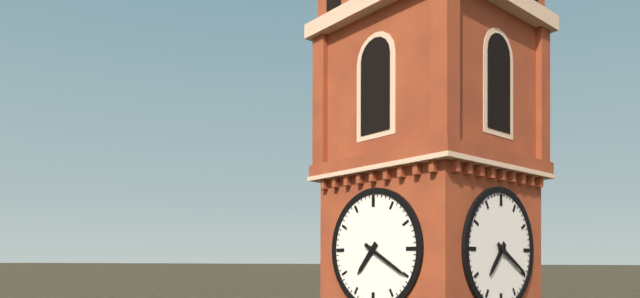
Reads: 7:20
